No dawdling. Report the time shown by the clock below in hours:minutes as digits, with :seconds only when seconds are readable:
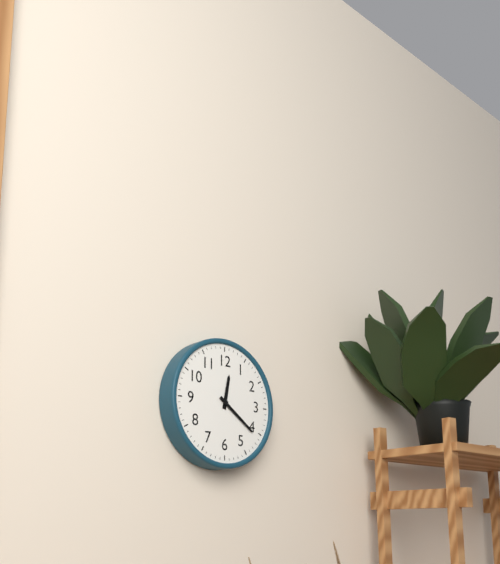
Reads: 12:21
